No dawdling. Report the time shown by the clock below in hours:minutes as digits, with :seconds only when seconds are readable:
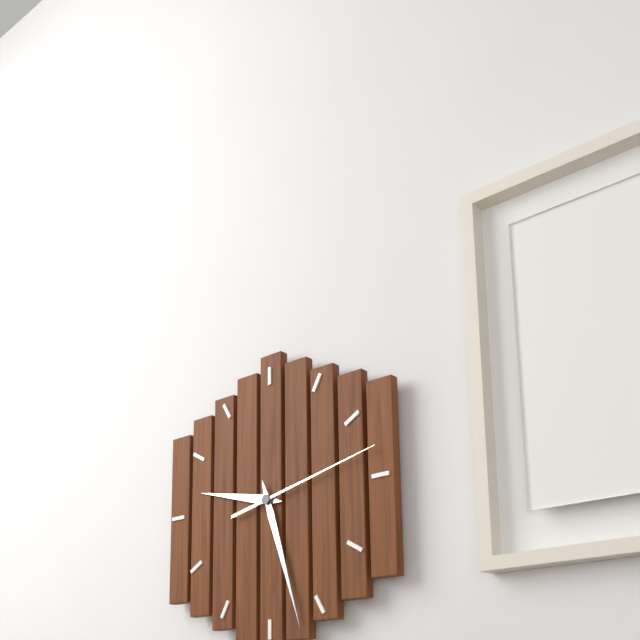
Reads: 9:27:13
